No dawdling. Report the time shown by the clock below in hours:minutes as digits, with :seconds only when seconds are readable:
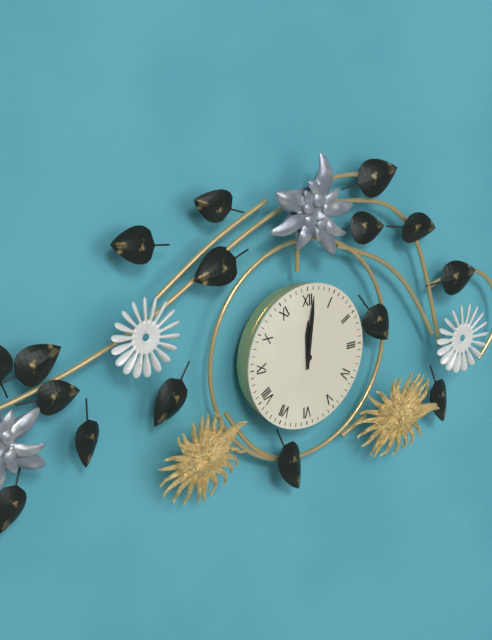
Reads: 12:01
